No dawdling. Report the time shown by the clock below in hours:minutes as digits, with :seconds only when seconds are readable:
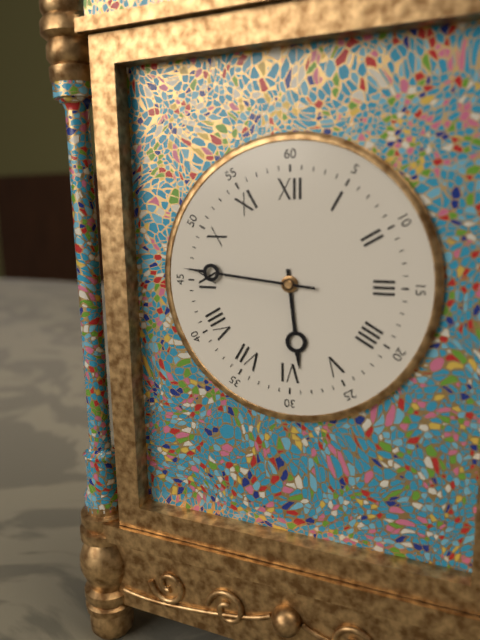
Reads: 5:46
